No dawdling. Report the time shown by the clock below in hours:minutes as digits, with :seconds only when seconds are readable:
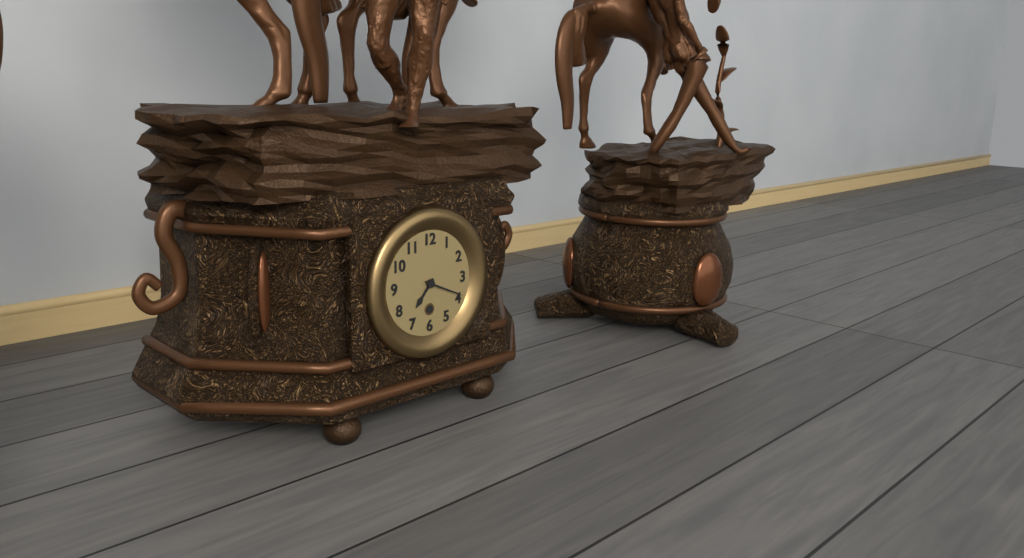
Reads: 7:19
